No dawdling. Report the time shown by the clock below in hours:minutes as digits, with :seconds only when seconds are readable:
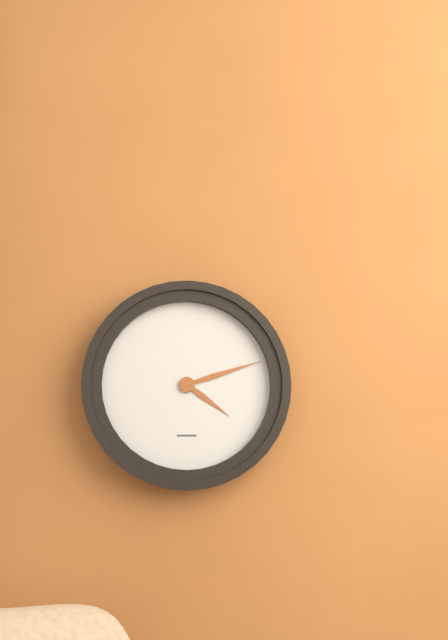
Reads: 4:12
